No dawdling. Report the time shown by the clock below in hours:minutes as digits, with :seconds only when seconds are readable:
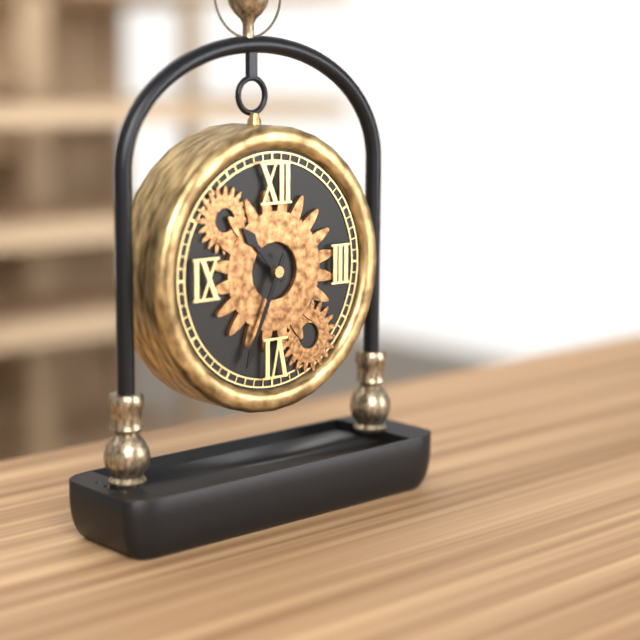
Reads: 10:34
